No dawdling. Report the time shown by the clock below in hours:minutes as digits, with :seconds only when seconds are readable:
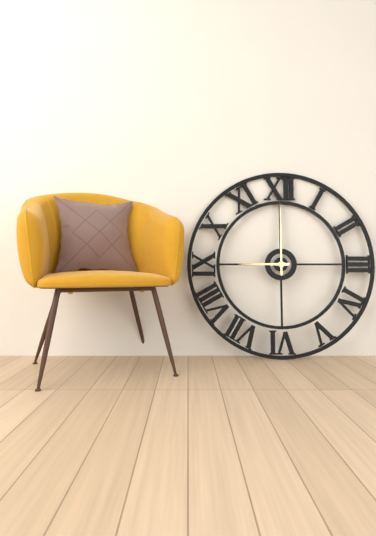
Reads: 9:00
